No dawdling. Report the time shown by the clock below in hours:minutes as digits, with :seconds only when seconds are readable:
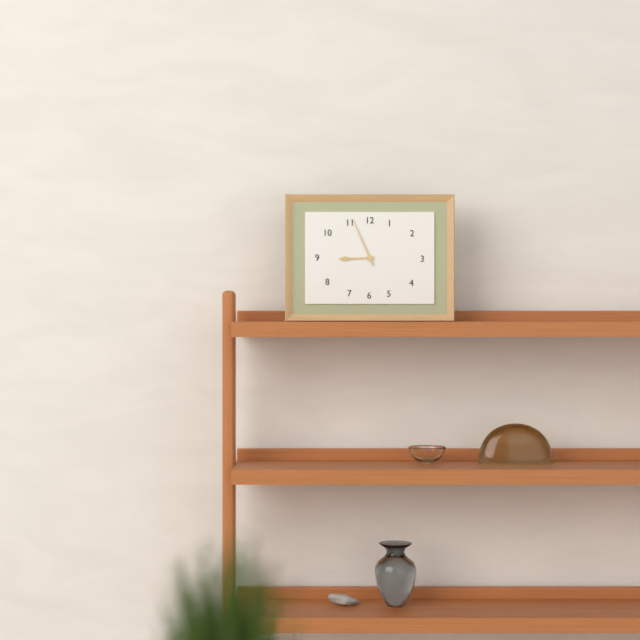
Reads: 8:56
